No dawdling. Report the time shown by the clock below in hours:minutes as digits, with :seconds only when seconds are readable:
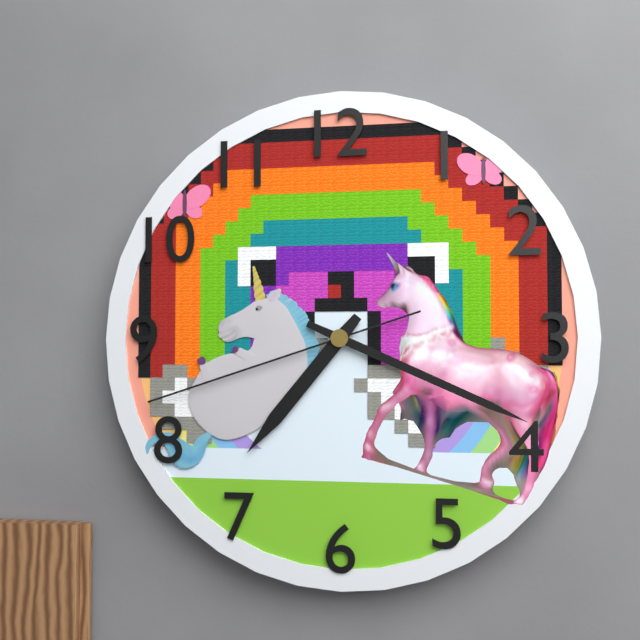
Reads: 7:19:42
